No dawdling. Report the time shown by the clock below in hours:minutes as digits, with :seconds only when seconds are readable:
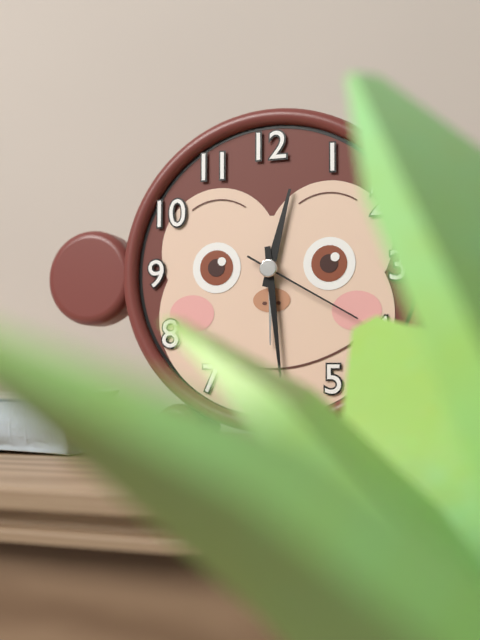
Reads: 12:29:20
